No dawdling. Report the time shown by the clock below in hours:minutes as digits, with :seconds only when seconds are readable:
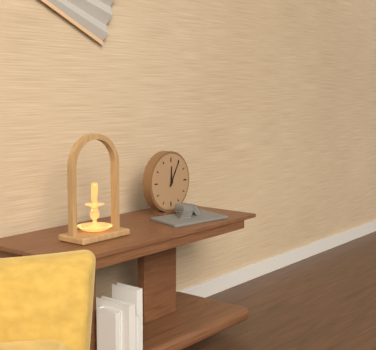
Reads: 12:05
